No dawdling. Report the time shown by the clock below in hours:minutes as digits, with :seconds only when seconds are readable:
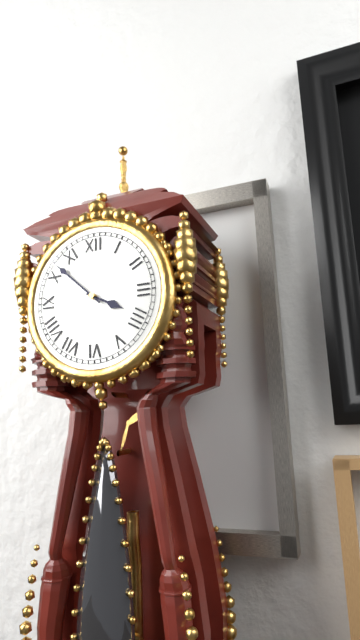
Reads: 3:52
